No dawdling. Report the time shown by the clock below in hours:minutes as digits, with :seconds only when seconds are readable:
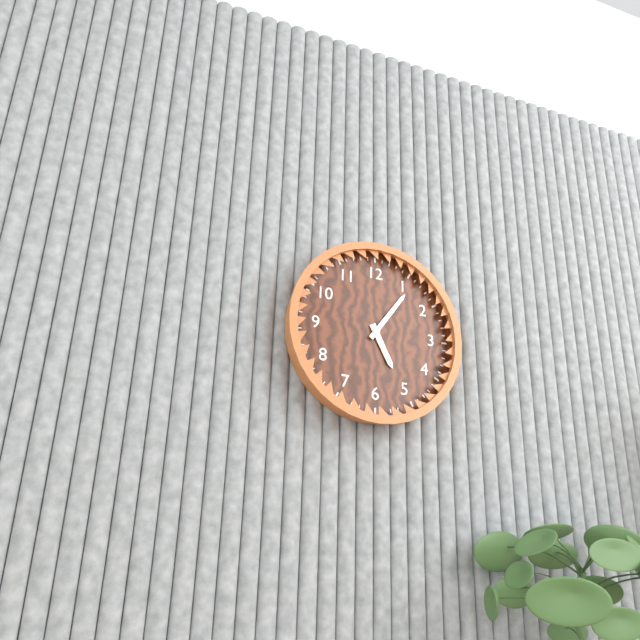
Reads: 5:06
